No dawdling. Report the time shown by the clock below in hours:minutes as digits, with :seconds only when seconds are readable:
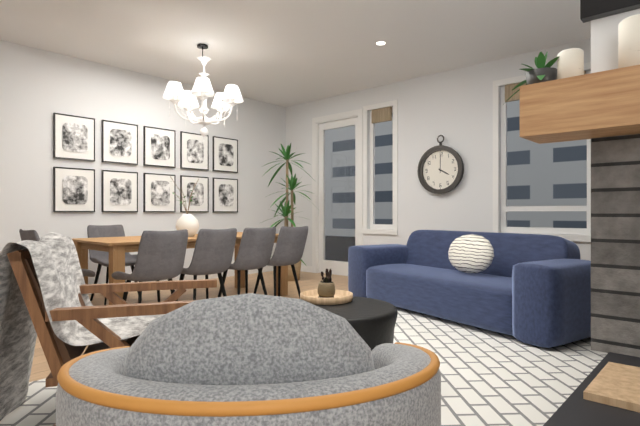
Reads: 4:00
